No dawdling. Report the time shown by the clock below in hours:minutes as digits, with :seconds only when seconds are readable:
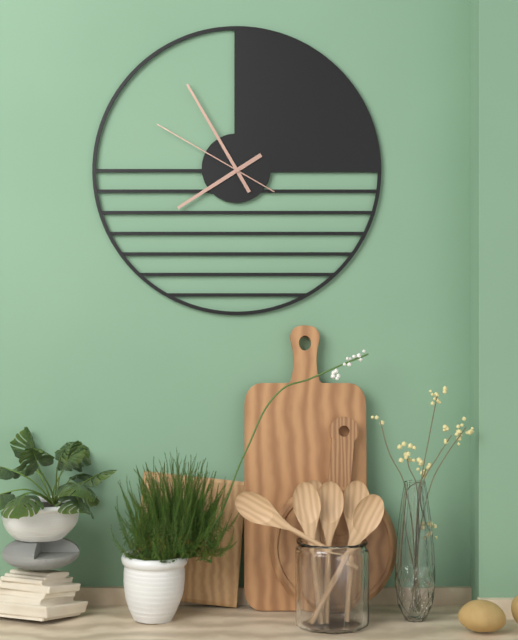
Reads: 7:55:50
